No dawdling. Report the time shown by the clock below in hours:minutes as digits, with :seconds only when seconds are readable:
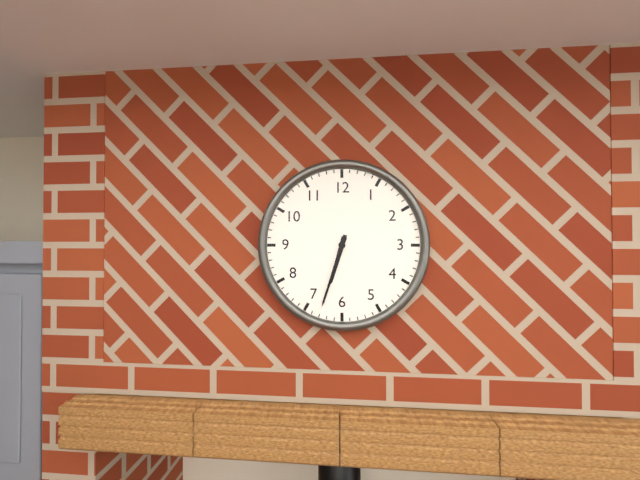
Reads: 6:33
